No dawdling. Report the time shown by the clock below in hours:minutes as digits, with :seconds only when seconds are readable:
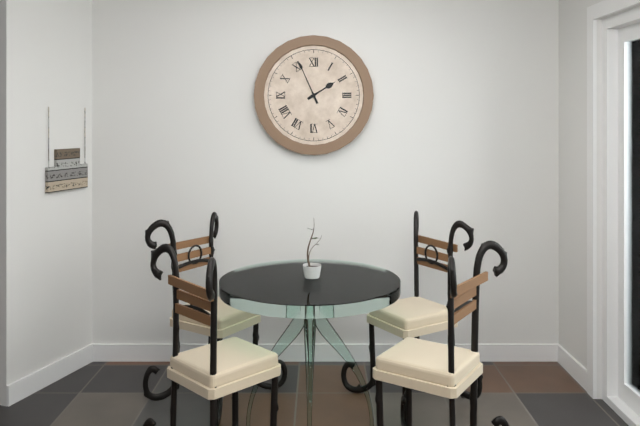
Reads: 1:56
